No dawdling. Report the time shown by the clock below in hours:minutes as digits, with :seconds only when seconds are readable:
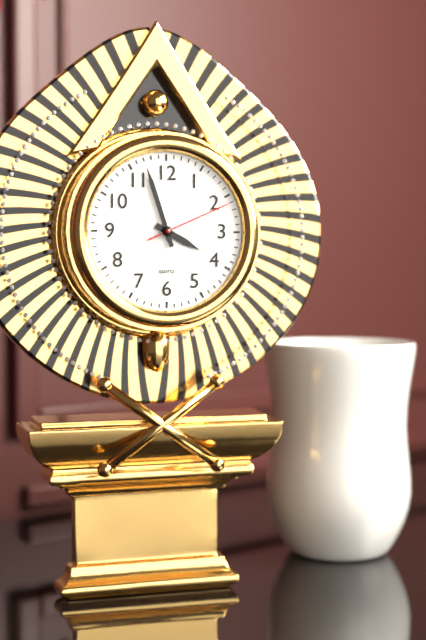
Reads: 3:57:11
